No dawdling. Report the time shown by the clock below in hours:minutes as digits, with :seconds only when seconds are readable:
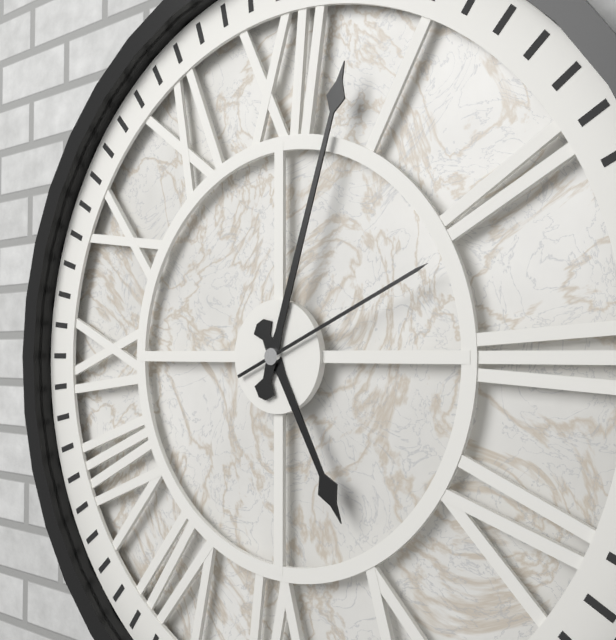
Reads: 5:03:11
